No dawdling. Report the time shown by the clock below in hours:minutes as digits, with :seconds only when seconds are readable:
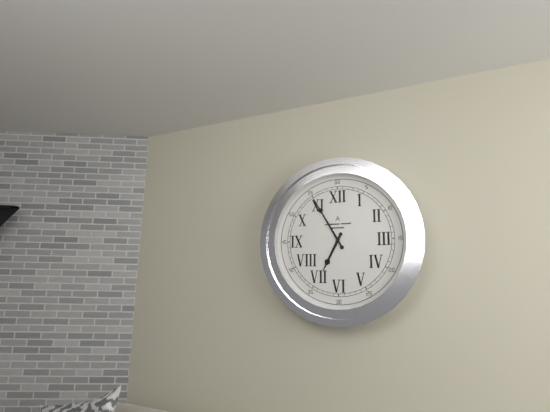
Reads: 6:55
